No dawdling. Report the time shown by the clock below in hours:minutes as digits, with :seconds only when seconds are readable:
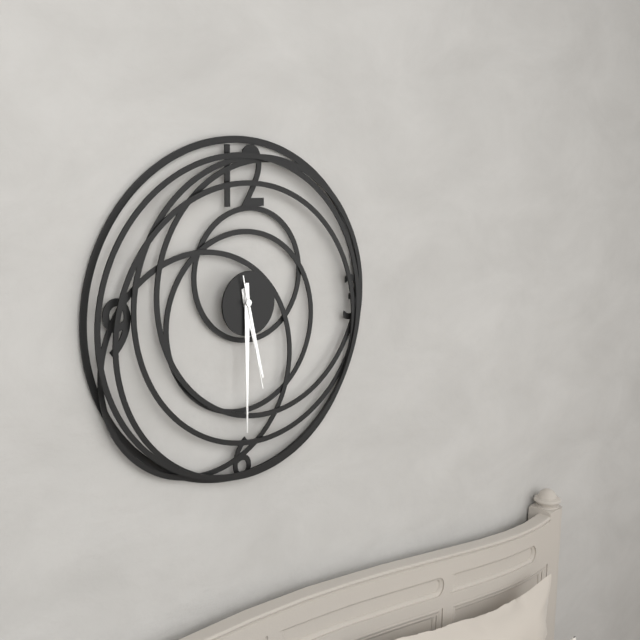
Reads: 5:30:28
